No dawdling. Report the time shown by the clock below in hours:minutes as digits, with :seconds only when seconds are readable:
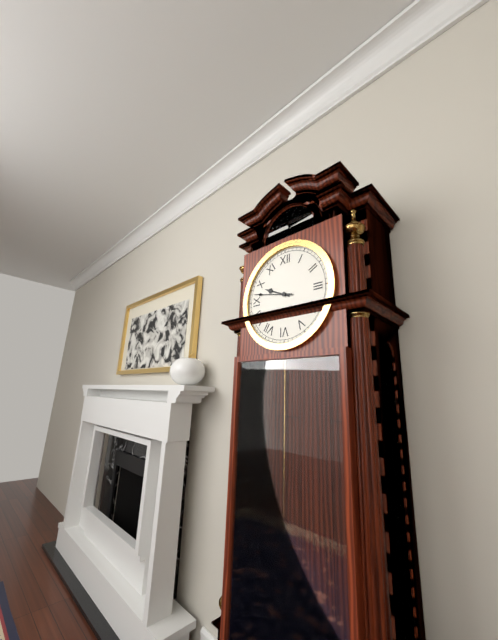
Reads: 9:47
